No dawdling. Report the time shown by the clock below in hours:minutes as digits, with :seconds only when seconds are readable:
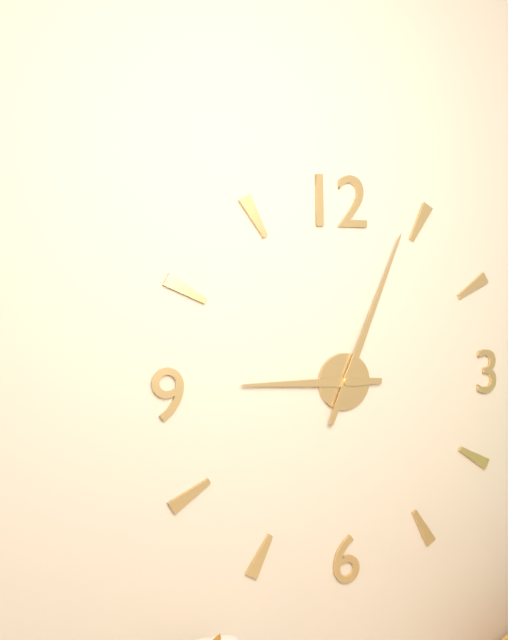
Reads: 9:04
